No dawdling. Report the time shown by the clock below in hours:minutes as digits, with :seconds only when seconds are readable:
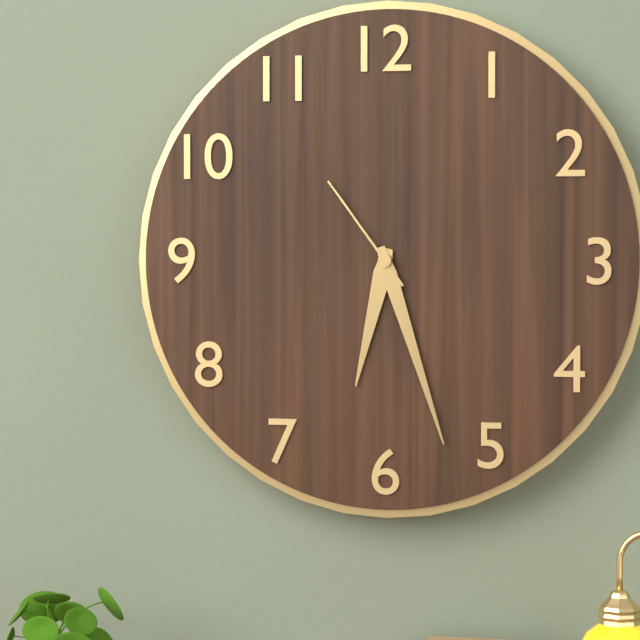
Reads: 6:27:54
